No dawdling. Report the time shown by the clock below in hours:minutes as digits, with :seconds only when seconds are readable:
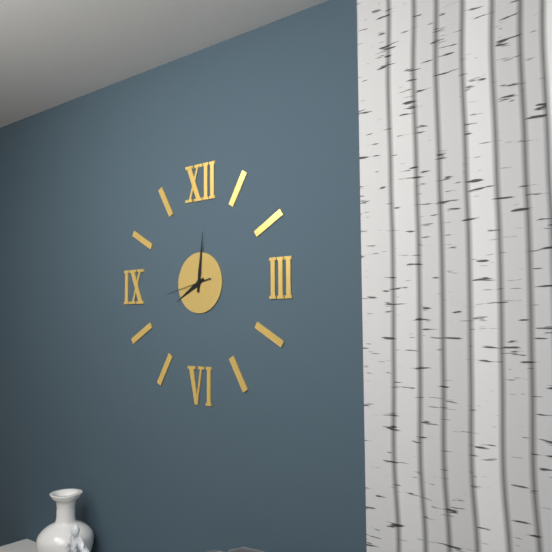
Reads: 8:01
